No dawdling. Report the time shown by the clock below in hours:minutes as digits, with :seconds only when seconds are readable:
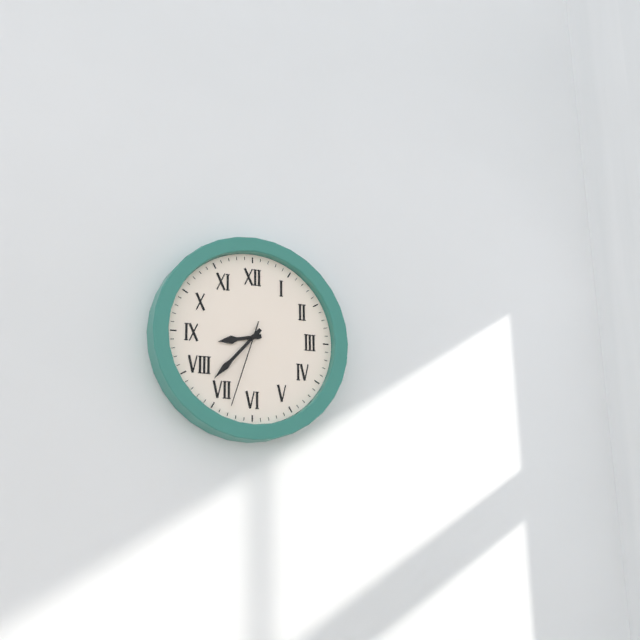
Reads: 8:37:33
